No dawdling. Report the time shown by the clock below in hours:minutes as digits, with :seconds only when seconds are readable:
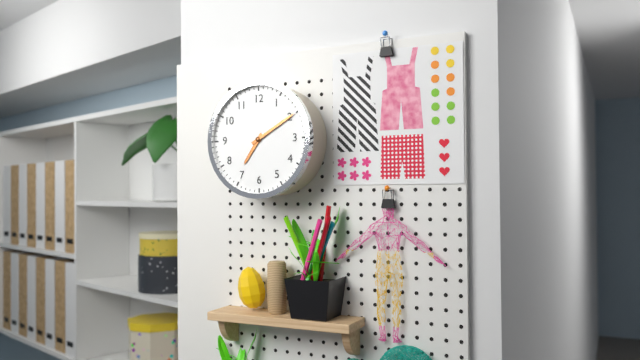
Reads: 7:10
